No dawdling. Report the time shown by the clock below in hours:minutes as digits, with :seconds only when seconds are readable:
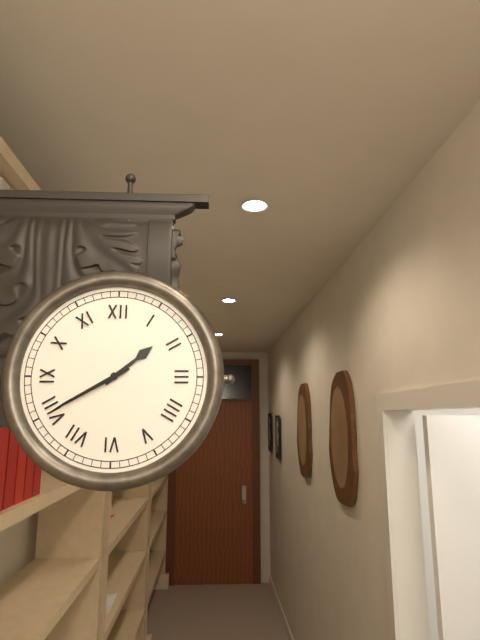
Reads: 1:40
